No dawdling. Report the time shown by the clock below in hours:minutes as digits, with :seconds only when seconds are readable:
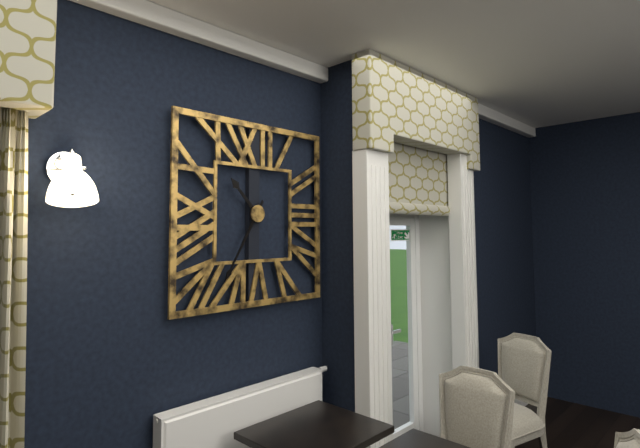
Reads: 10:35
